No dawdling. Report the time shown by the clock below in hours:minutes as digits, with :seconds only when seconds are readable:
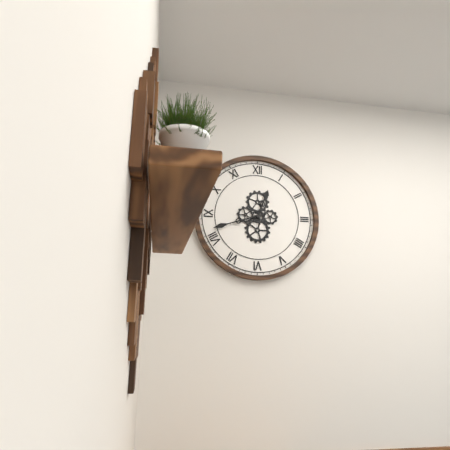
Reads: 12:42
